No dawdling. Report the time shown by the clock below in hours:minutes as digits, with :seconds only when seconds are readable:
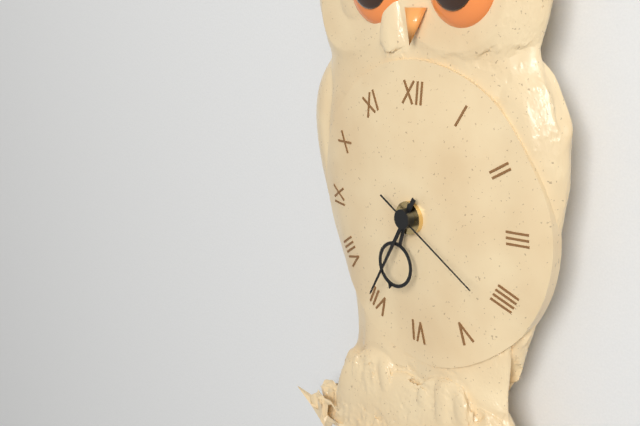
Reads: 6:35:20
